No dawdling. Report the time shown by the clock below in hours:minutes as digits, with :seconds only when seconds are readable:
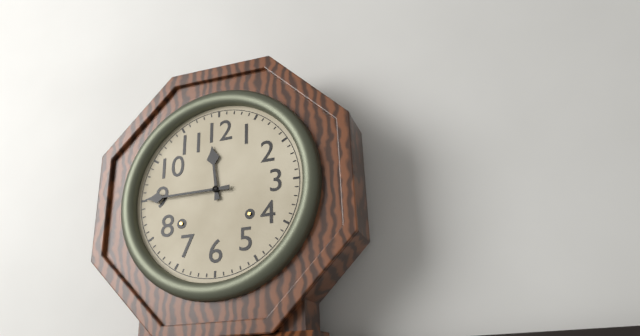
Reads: 11:45
